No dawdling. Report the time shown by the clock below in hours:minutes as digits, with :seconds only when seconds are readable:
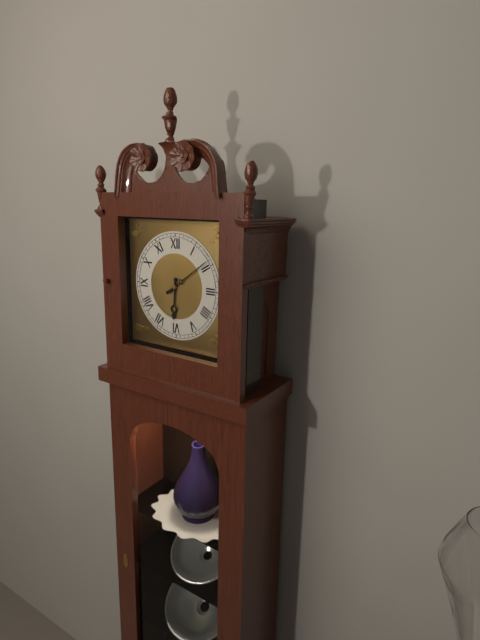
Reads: 6:09
